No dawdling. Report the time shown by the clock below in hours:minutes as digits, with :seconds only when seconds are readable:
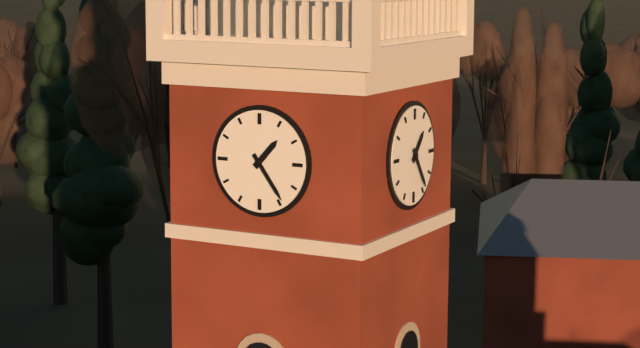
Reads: 1:24
